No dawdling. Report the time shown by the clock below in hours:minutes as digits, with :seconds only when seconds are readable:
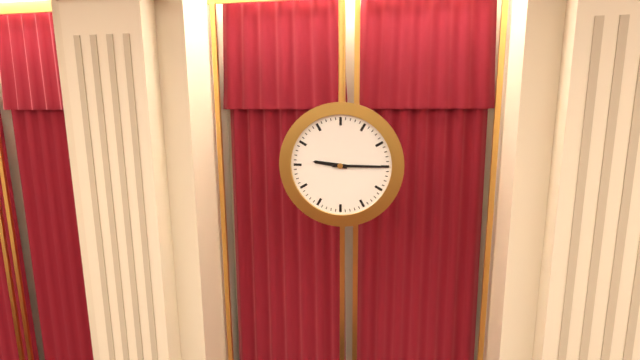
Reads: 9:15
